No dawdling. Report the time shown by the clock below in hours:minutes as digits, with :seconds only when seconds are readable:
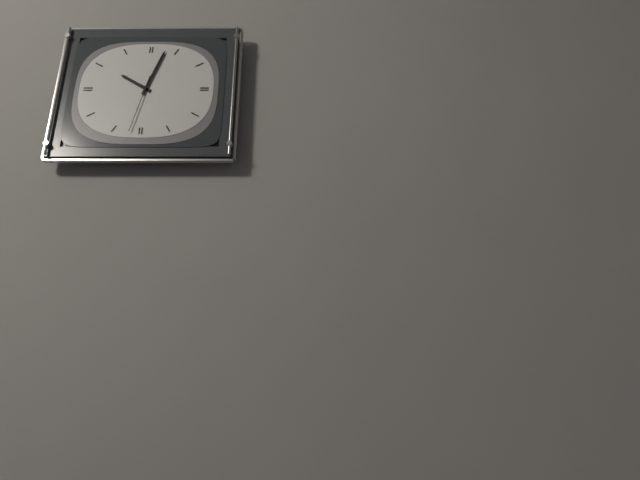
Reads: 10:03:32
